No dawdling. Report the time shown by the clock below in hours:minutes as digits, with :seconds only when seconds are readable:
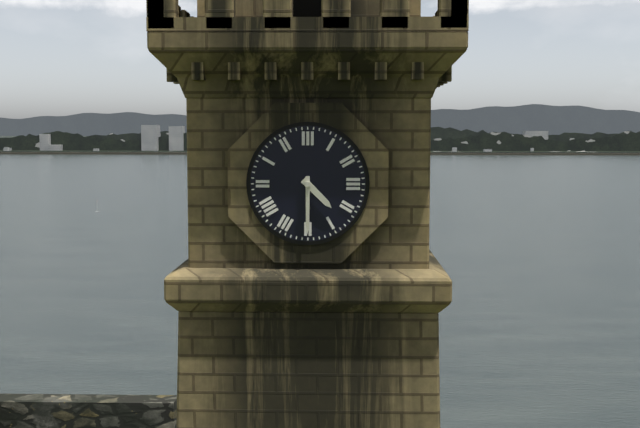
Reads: 4:30
